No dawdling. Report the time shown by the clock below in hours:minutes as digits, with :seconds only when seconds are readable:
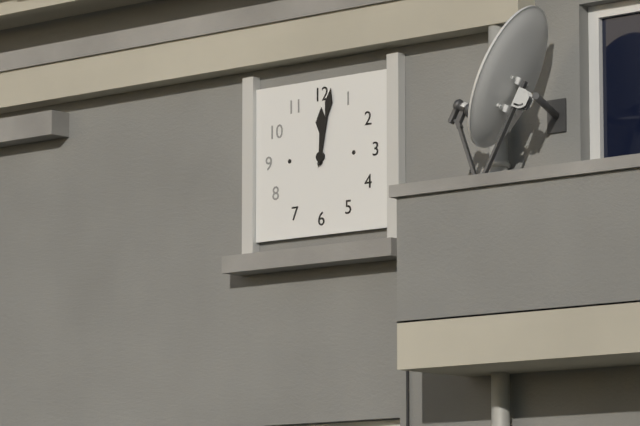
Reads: 12:02
